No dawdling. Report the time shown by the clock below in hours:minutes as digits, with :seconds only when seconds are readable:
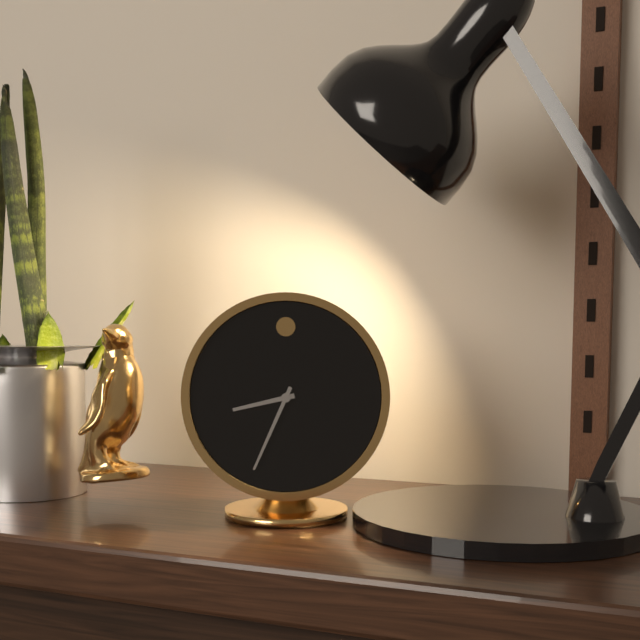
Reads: 8:34
